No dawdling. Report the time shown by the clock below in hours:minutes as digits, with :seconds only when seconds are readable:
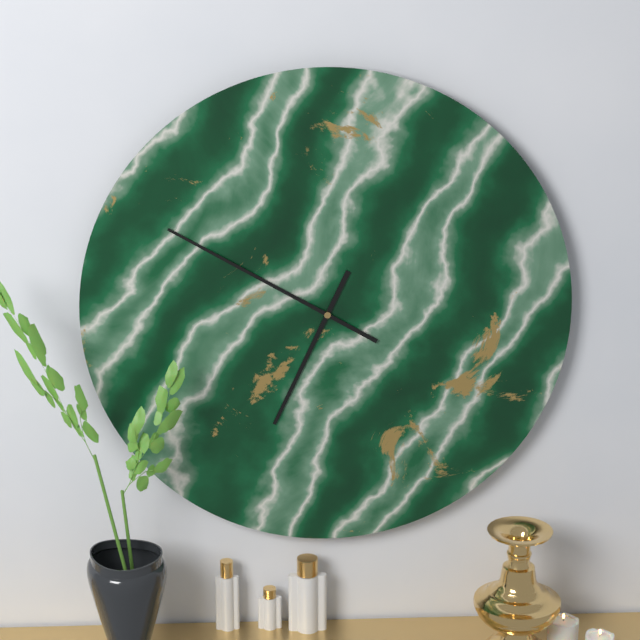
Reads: 6:50
